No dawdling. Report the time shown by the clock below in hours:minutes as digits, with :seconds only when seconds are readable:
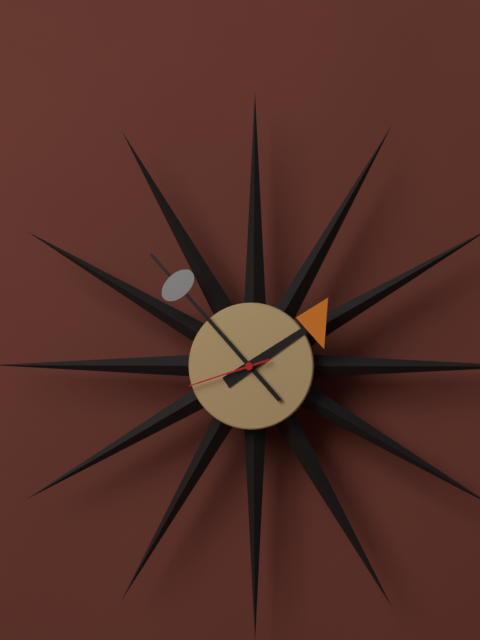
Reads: 1:53:42
